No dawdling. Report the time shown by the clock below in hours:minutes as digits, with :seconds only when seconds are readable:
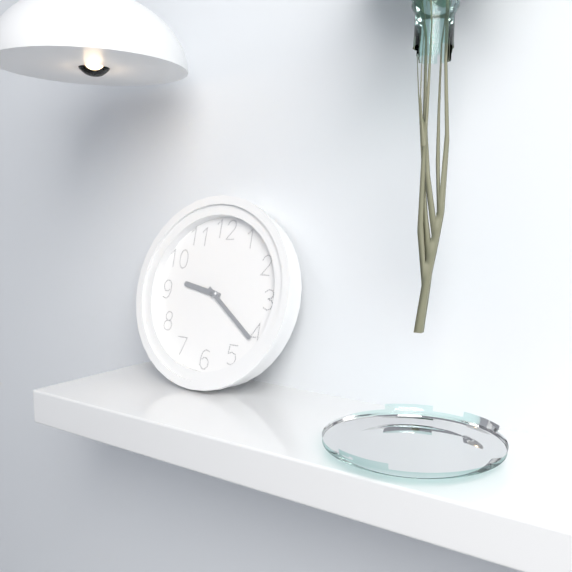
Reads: 9:21
